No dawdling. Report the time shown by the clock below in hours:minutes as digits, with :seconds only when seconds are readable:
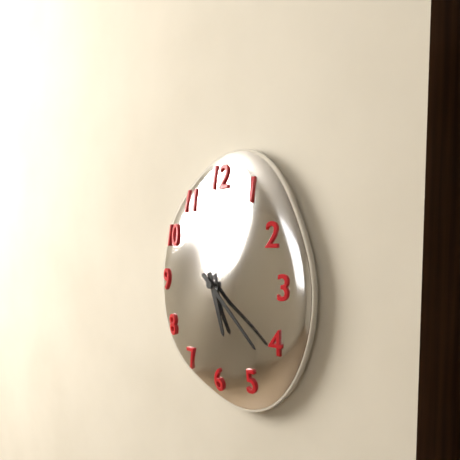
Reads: 5:22
